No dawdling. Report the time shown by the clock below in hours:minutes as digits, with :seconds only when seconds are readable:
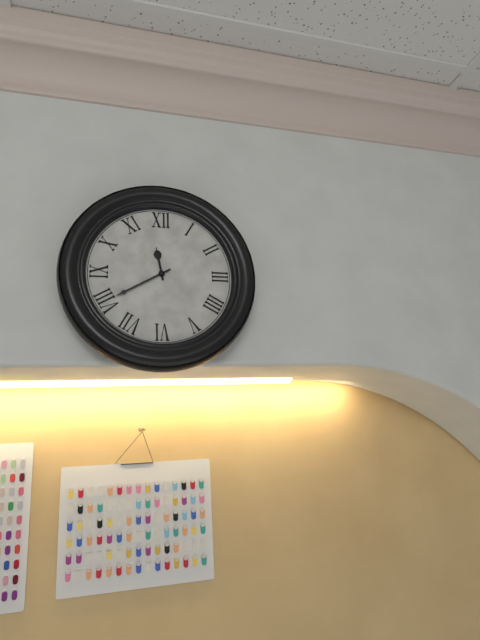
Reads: 11:40
